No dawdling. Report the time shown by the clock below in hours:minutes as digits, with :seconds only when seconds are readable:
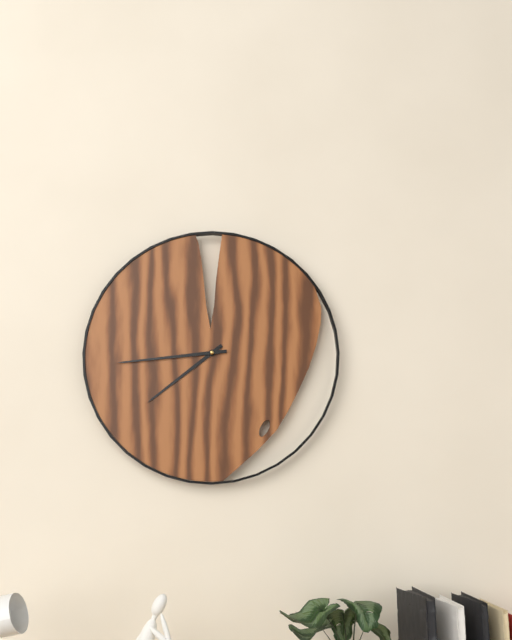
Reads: 7:44
